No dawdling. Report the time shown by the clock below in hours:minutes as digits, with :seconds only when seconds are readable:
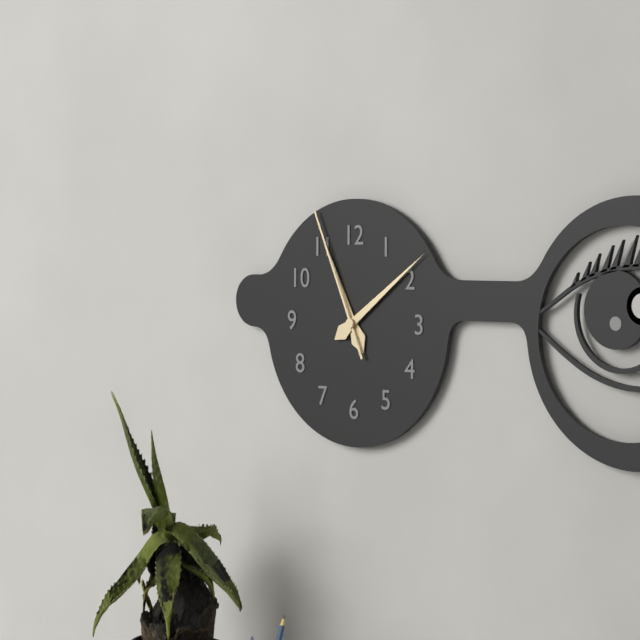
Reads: 11:09:56
